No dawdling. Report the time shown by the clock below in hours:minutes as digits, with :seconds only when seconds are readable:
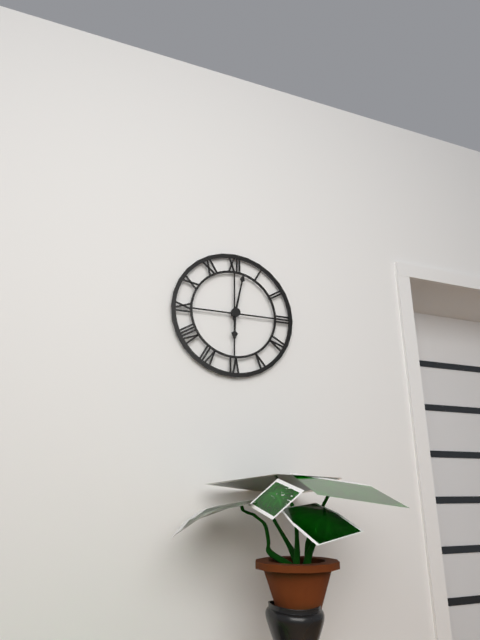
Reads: 6:02
